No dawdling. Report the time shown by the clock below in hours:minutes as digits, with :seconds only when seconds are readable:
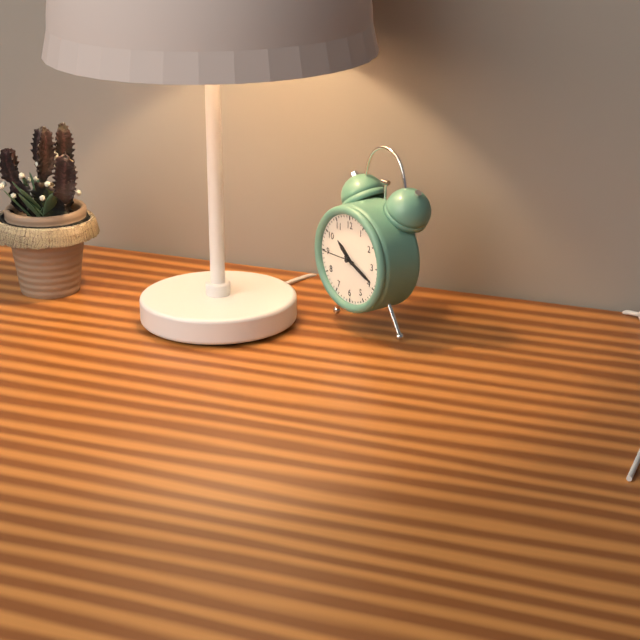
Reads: 10:19
